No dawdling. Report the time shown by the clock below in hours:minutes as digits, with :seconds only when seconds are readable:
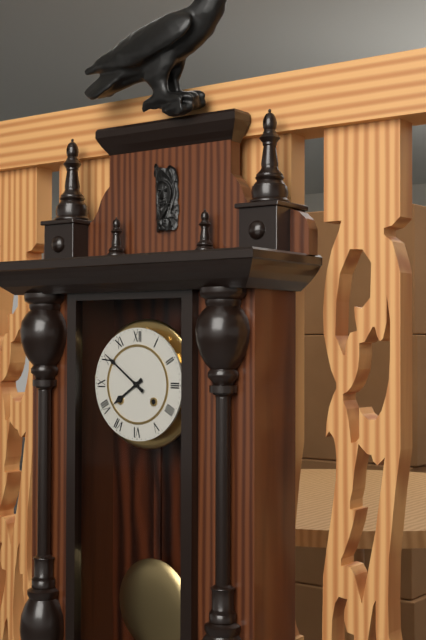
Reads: 7:51
